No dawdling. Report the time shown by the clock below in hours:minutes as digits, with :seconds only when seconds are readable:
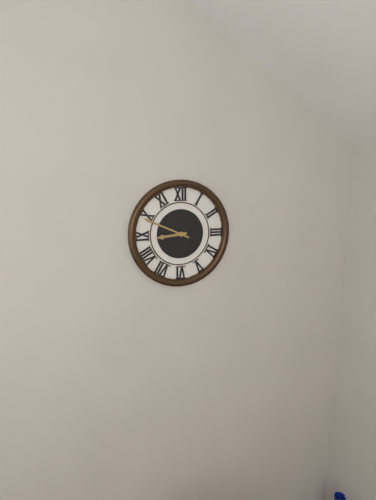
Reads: 8:49
